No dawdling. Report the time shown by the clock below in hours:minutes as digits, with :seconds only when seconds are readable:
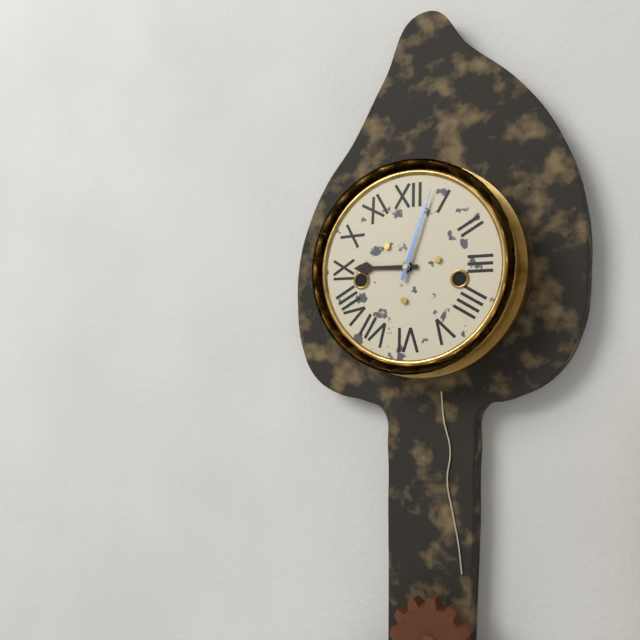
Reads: 9:03
